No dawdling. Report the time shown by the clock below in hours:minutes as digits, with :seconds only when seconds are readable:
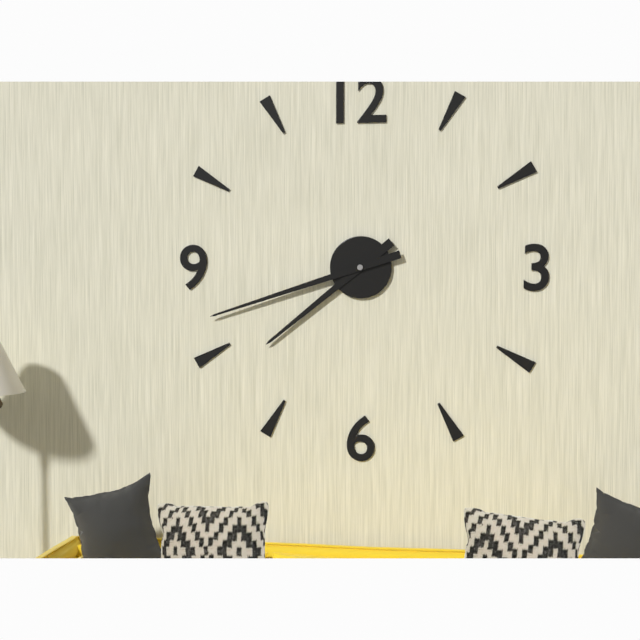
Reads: 7:42
